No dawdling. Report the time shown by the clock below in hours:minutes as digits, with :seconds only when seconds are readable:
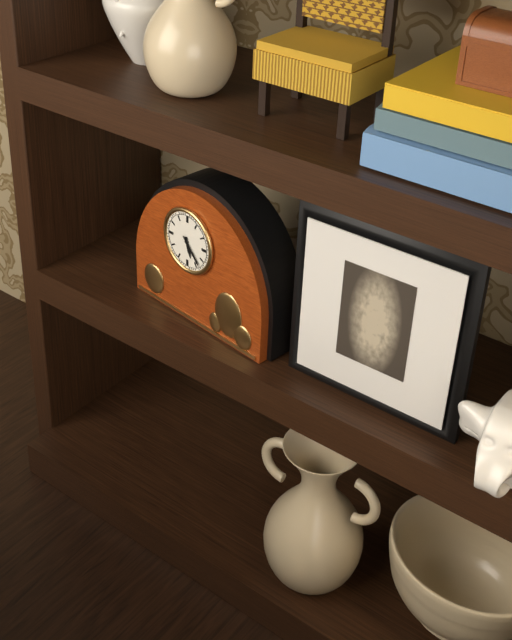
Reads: 5:23
